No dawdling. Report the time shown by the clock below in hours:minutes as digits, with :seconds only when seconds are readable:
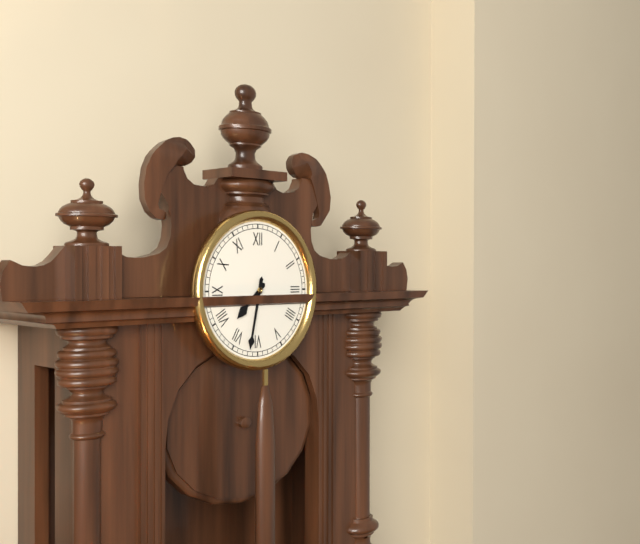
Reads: 7:32
